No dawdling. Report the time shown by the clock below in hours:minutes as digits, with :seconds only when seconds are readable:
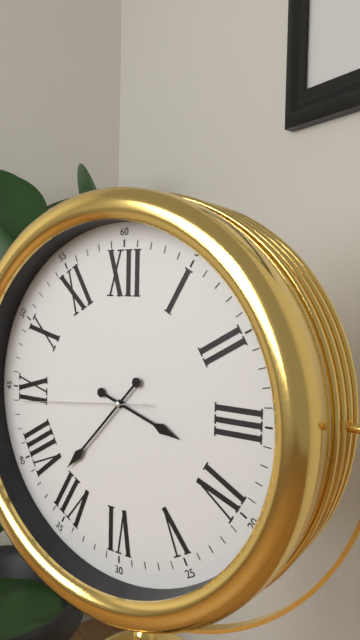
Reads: 3:37:44
